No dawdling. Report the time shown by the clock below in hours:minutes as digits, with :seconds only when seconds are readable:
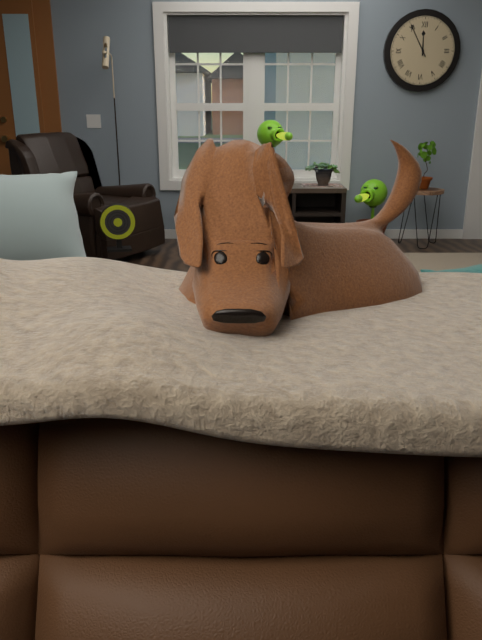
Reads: 11:55
